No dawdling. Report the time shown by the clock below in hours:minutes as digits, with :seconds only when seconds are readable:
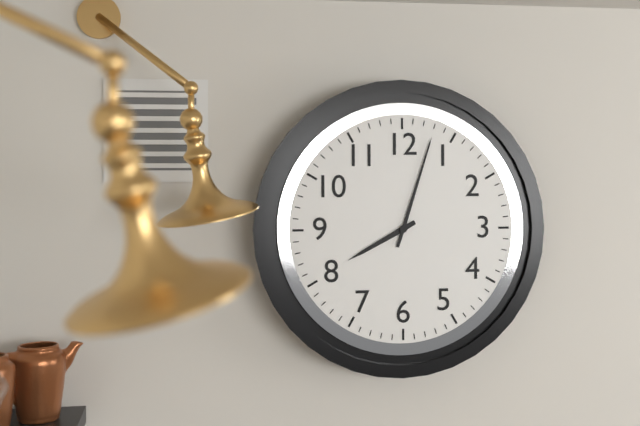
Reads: 8:03
